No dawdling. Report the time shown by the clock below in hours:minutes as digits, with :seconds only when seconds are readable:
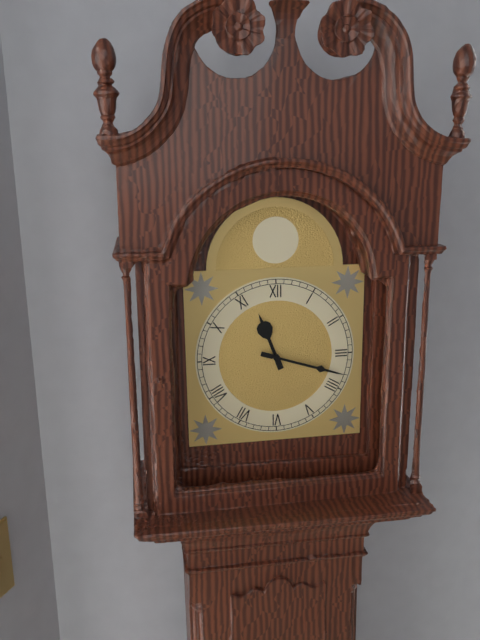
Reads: 11:18
